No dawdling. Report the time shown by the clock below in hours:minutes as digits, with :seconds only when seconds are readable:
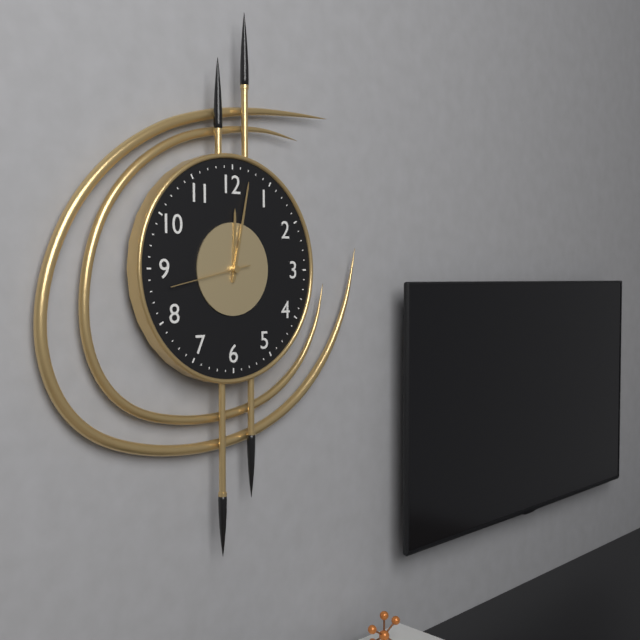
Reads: 12:02:43
